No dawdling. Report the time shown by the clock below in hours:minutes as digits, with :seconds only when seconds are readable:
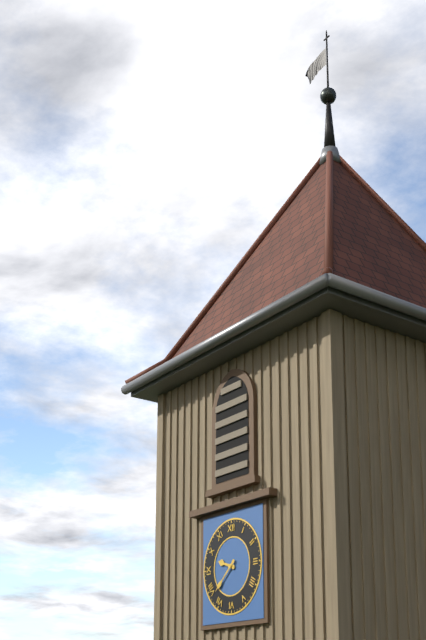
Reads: 9:38
